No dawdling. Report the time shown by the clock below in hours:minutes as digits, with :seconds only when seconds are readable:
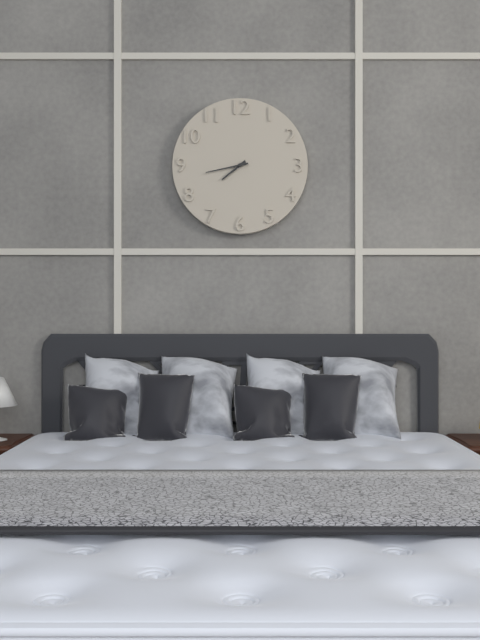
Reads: 7:43
